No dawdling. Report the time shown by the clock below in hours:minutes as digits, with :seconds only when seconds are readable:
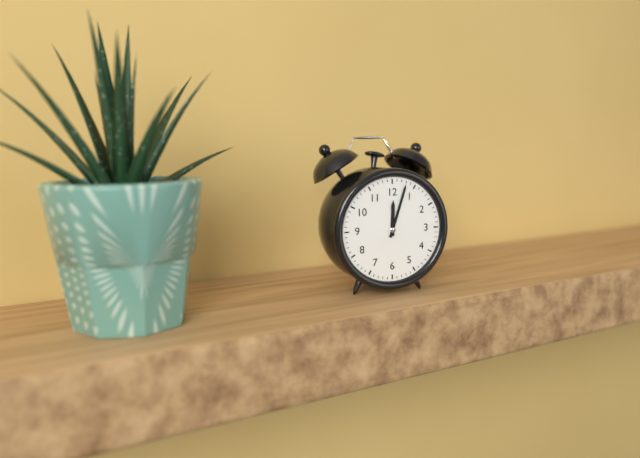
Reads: 12:03
